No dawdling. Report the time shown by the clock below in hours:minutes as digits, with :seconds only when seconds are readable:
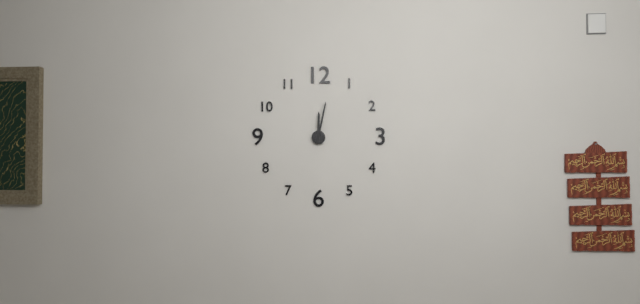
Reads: 12:02
